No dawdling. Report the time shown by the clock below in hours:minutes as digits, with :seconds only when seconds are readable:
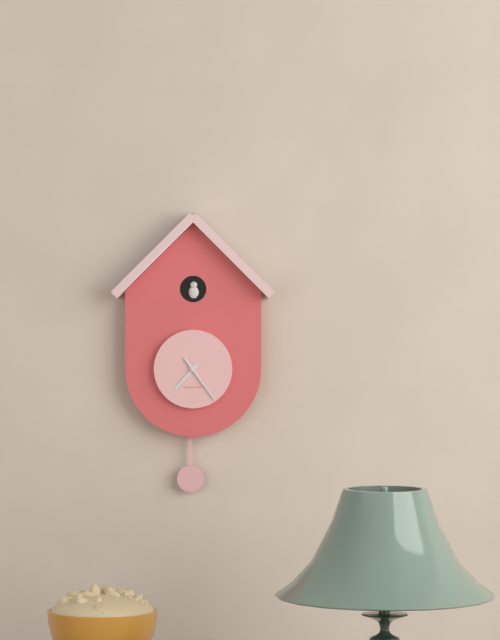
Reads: 7:24
